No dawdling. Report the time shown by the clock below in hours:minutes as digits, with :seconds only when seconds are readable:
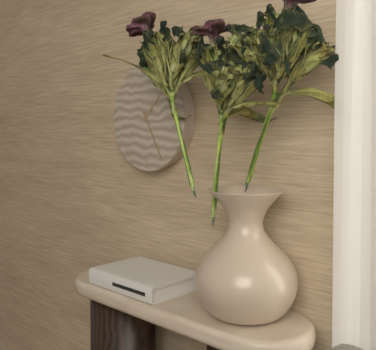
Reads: 1:25
